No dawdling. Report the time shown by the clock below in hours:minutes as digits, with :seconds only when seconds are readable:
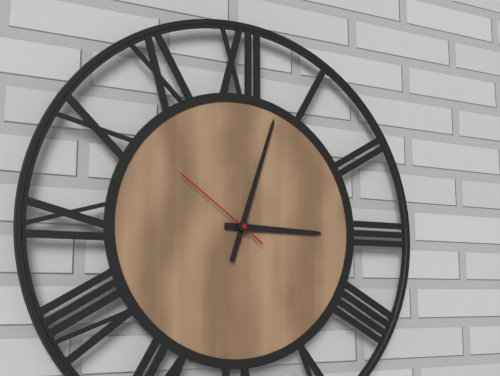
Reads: 3:03:51
